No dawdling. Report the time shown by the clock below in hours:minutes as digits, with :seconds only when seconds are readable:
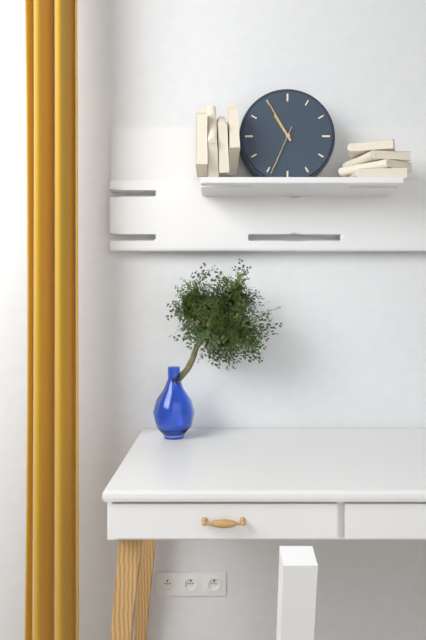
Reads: 10:55:34
